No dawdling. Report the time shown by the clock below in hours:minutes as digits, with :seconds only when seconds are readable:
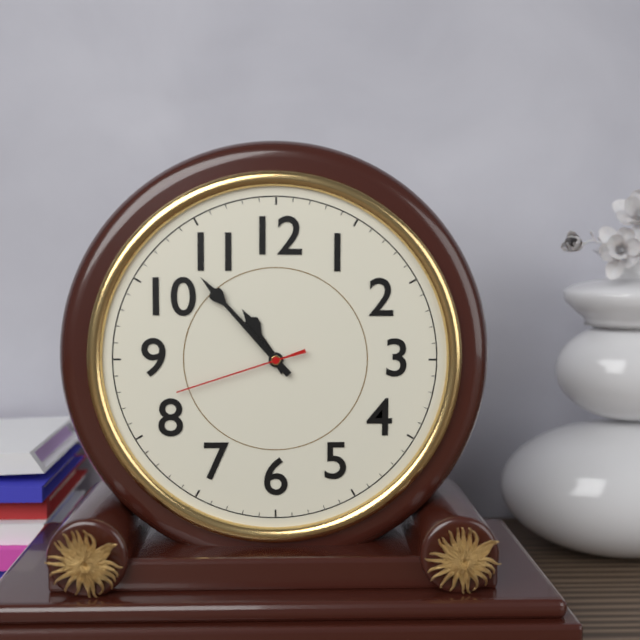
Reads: 10:53:42
